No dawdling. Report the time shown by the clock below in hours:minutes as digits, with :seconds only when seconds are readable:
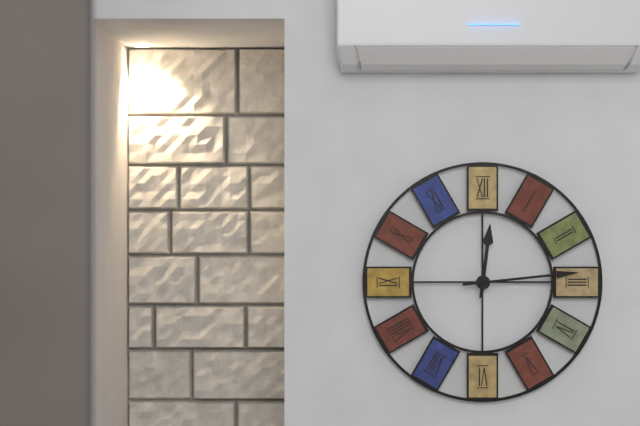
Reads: 12:14
